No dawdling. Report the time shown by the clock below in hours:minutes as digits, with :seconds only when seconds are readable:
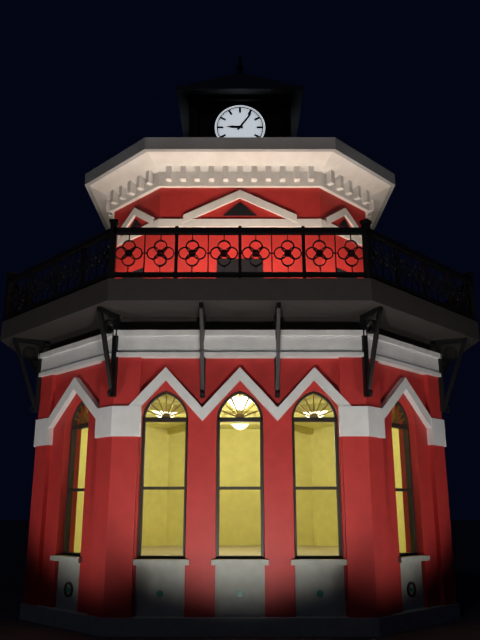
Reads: 9:06
